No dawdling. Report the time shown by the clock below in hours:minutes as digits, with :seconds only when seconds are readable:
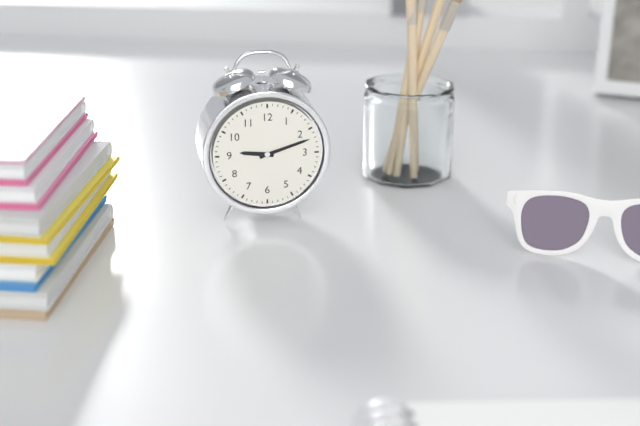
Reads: 9:12
